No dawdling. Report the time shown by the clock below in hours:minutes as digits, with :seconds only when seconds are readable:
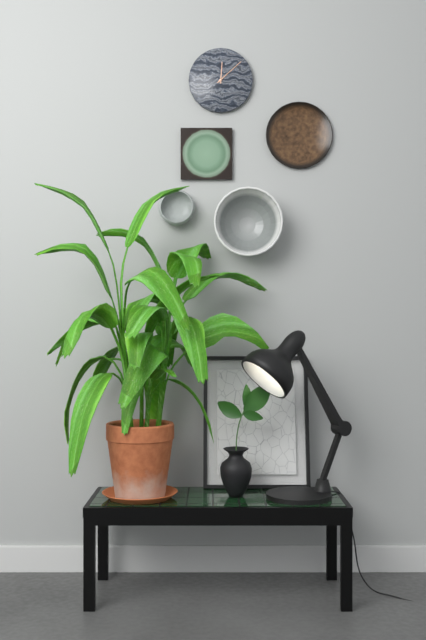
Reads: 12:08
